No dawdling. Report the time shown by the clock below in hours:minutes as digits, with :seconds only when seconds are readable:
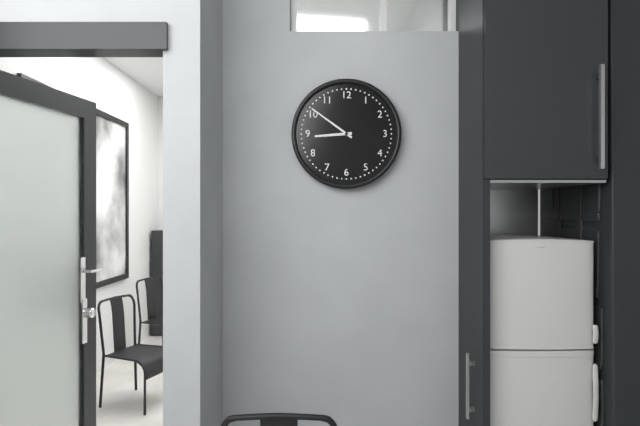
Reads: 8:51
